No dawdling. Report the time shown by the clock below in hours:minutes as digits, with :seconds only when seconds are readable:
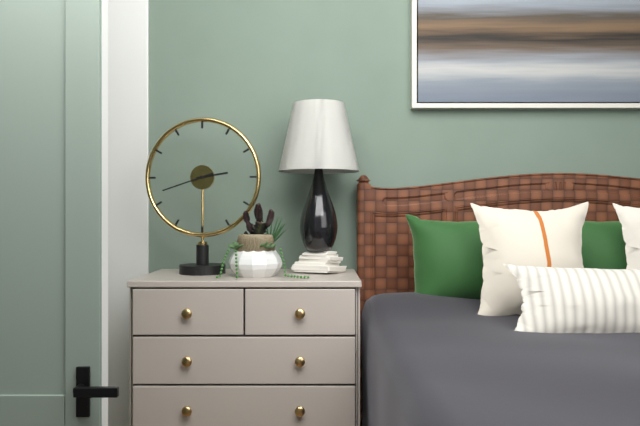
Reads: 2:42
